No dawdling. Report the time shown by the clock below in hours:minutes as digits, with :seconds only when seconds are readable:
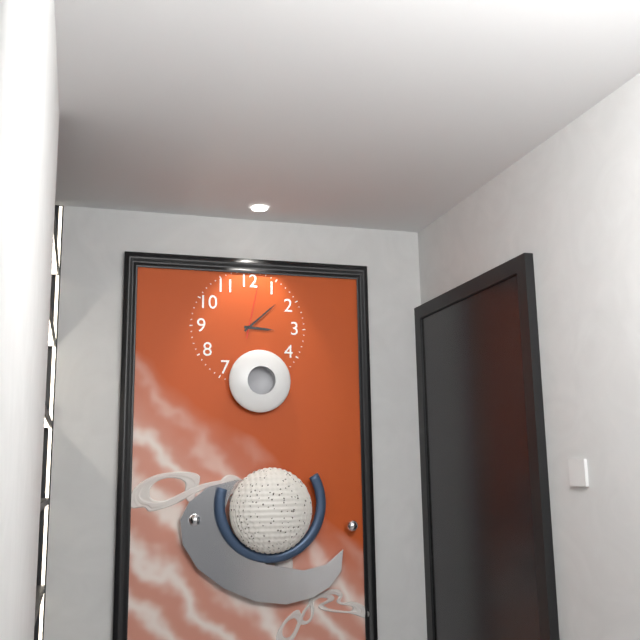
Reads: 3:08:02
